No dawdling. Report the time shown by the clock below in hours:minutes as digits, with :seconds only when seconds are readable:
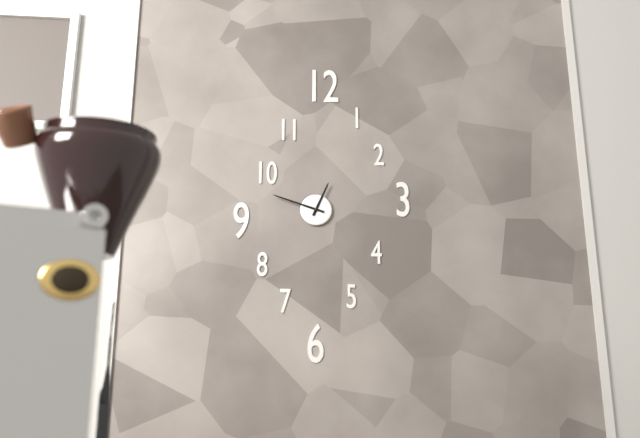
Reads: 12:48
